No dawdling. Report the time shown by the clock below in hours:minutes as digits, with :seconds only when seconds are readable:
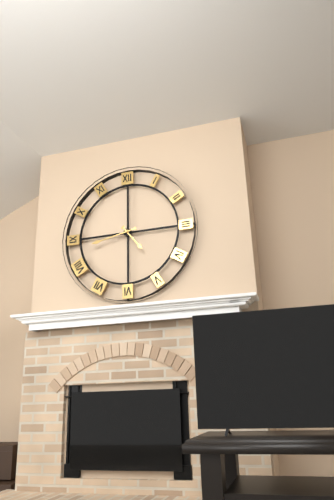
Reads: 4:43
